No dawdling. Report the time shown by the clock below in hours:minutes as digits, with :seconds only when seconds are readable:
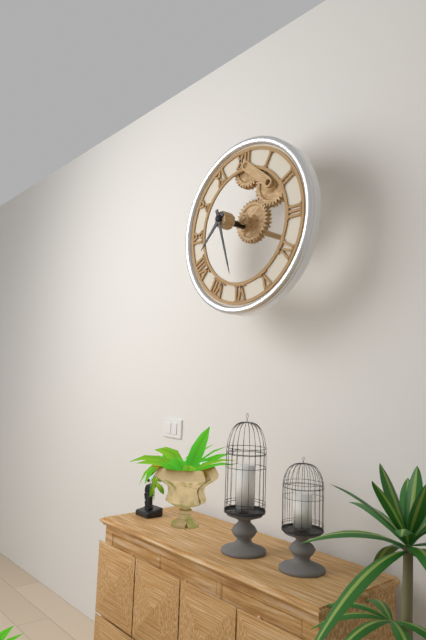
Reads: 7:27
